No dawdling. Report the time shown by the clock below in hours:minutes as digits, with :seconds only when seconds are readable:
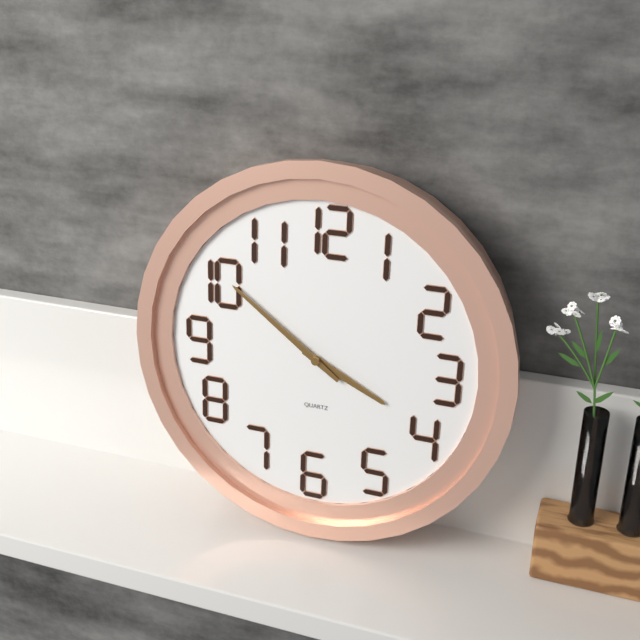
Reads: 3:51
